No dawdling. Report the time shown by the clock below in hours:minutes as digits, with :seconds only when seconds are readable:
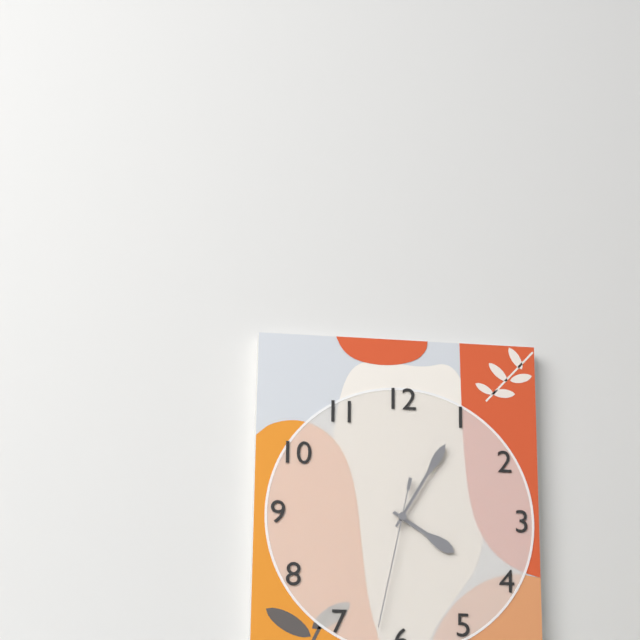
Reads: 4:05:32
